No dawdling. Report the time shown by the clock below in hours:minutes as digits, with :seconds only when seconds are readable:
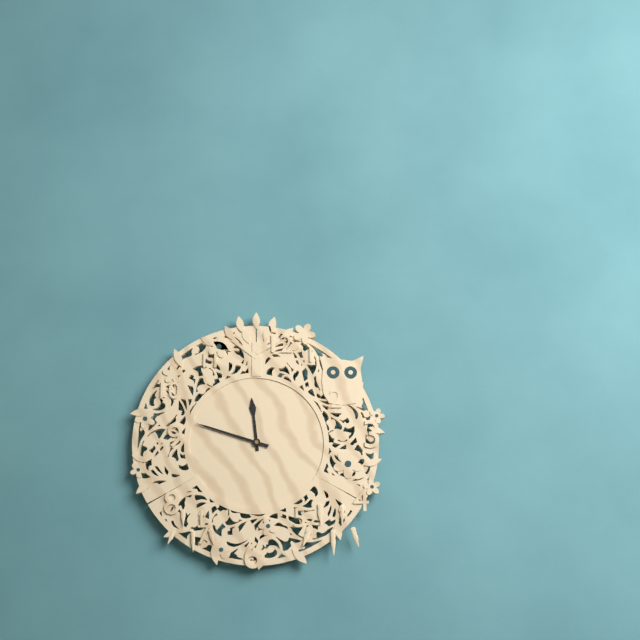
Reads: 11:48
